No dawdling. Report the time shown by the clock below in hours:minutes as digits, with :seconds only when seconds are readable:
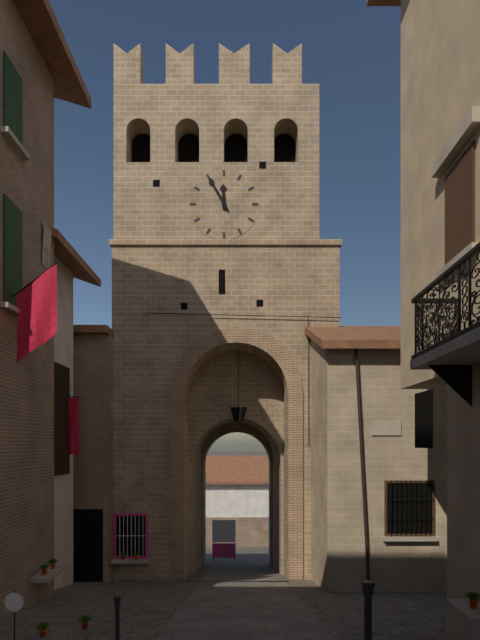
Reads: 11:55
